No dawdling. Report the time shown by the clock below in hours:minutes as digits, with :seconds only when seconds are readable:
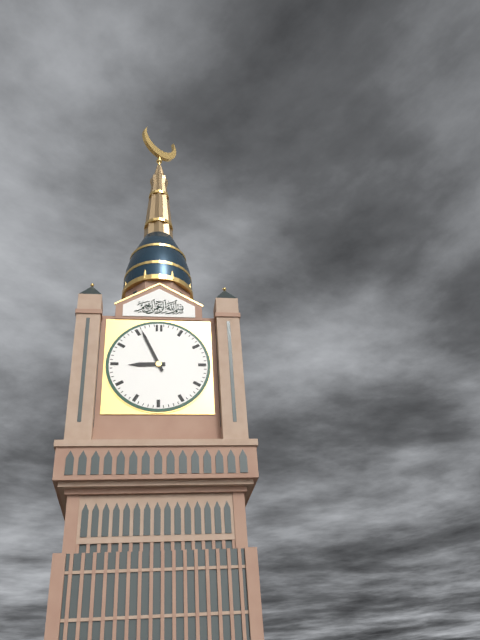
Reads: 8:56
